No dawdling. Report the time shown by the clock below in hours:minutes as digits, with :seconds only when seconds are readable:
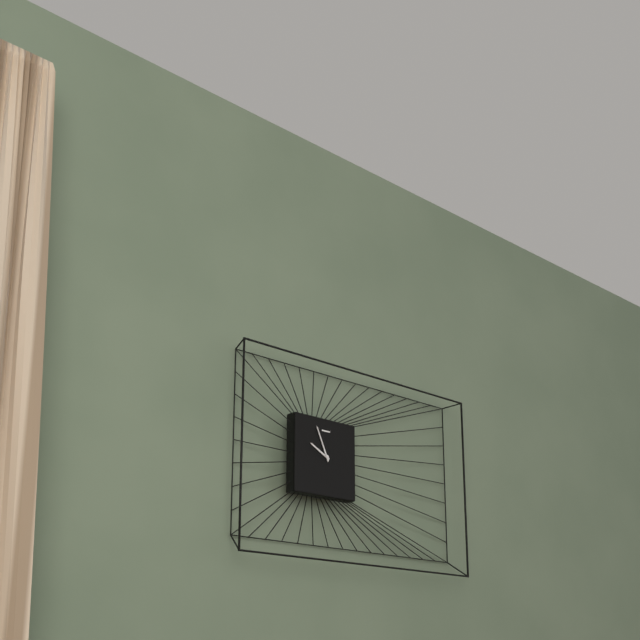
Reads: 9:56
